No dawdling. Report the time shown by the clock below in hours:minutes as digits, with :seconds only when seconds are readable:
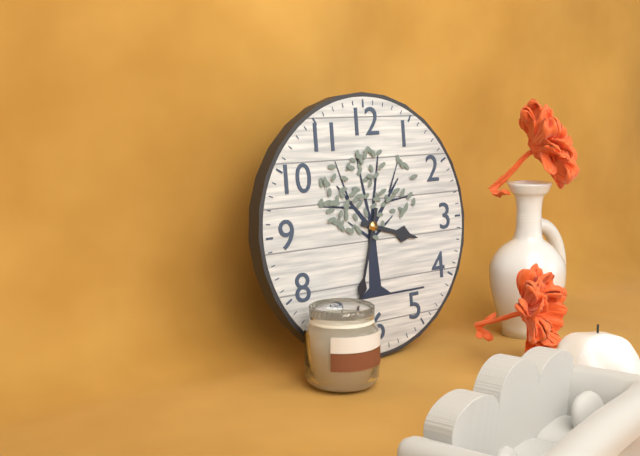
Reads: 3:33
